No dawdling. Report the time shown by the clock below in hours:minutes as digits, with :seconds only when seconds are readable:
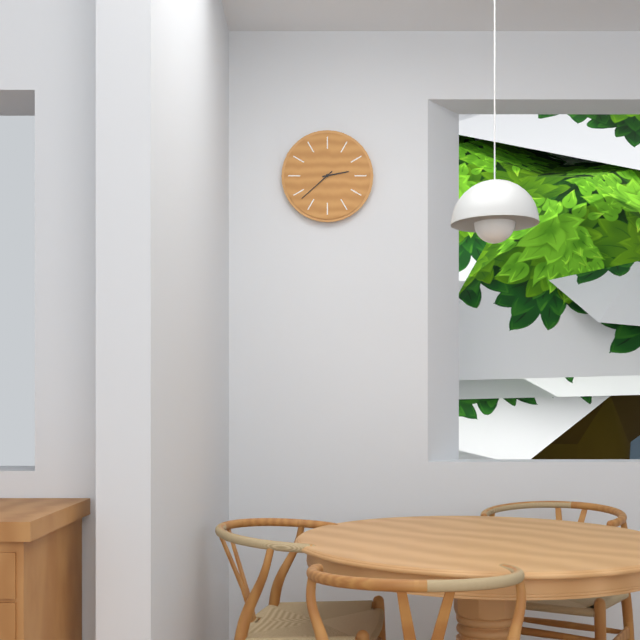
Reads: 2:38
